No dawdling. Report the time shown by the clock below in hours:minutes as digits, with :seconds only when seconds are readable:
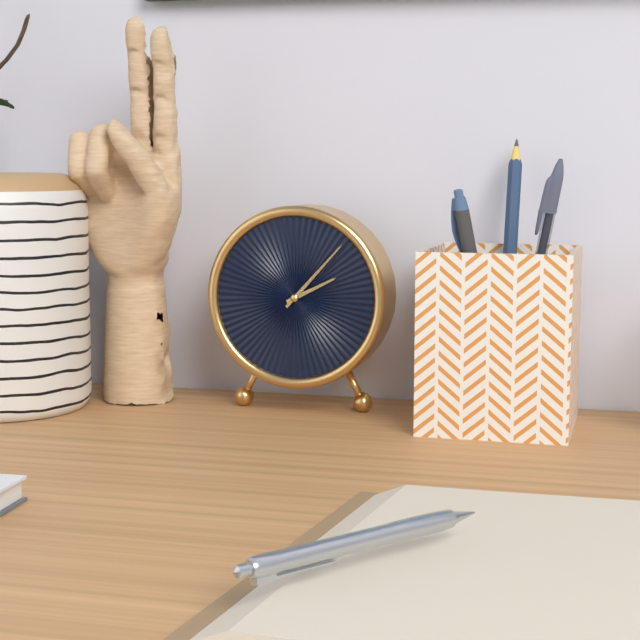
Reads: 2:07
